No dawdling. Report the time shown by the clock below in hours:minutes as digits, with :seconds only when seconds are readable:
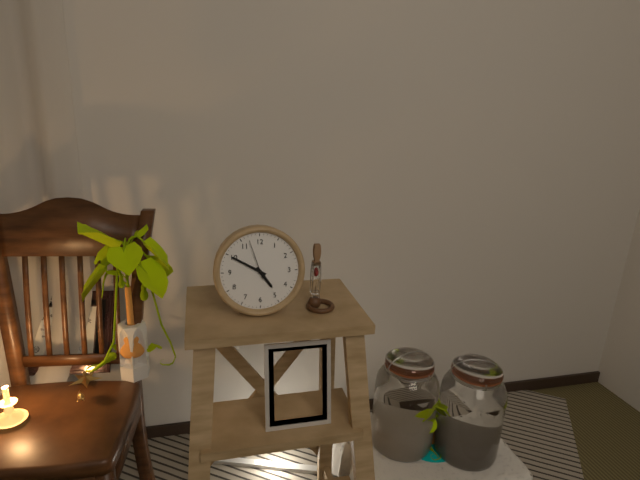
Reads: 4:50
